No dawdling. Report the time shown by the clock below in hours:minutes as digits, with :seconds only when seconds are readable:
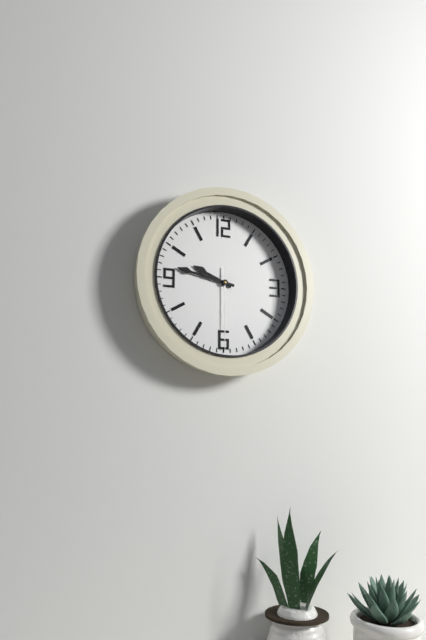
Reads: 9:47:30
